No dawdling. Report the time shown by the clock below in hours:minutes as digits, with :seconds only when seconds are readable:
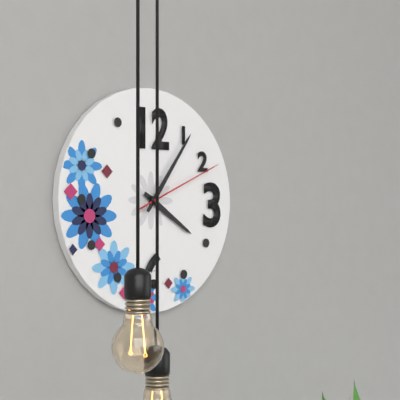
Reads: 4:06:11
